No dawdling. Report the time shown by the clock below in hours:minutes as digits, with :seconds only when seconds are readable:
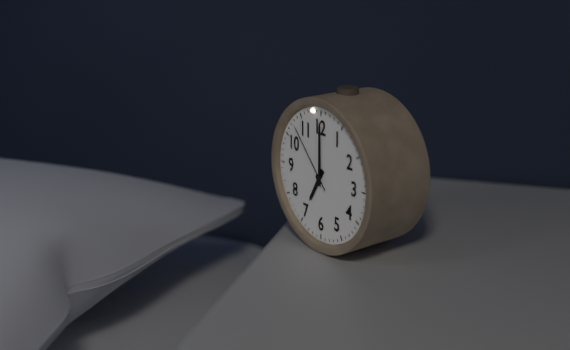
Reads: 7:00:53
